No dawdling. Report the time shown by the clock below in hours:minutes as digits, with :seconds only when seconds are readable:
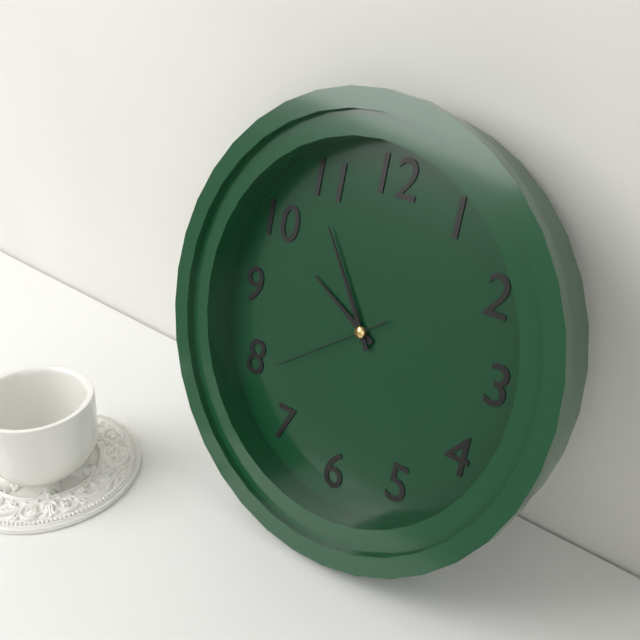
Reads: 9:54:39
